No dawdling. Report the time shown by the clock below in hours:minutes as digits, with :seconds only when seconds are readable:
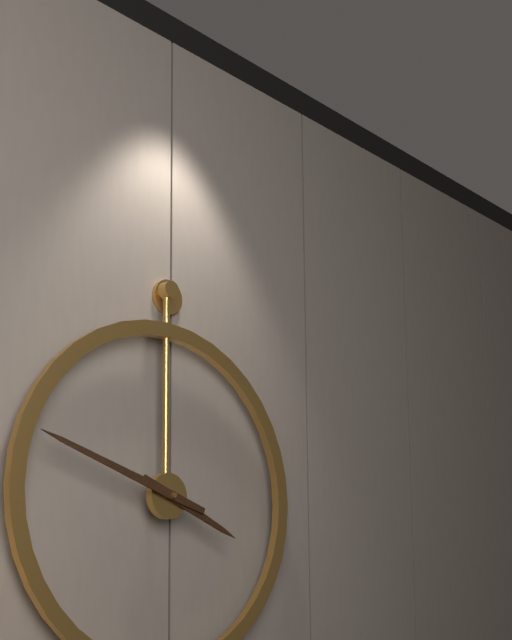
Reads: 3:48
